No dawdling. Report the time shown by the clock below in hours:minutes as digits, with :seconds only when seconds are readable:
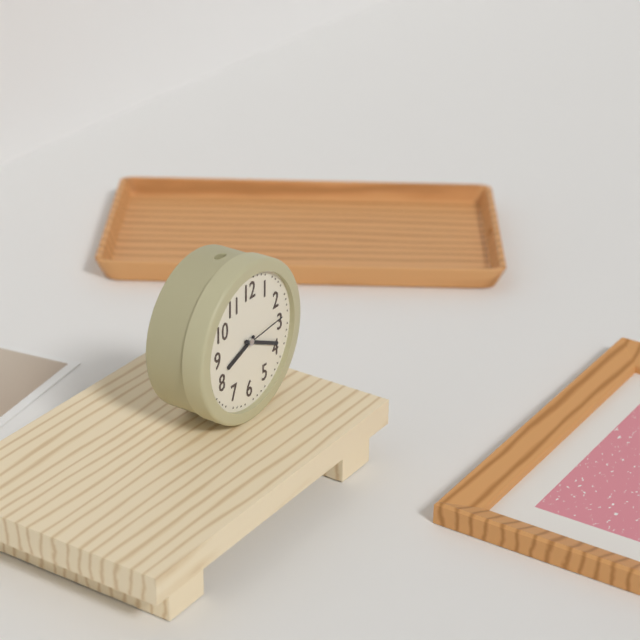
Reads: 8:19
